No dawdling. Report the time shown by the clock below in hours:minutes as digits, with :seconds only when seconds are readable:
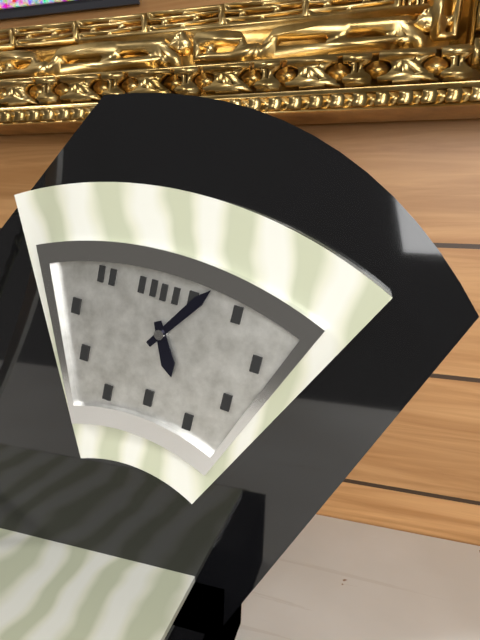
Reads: 5:06
